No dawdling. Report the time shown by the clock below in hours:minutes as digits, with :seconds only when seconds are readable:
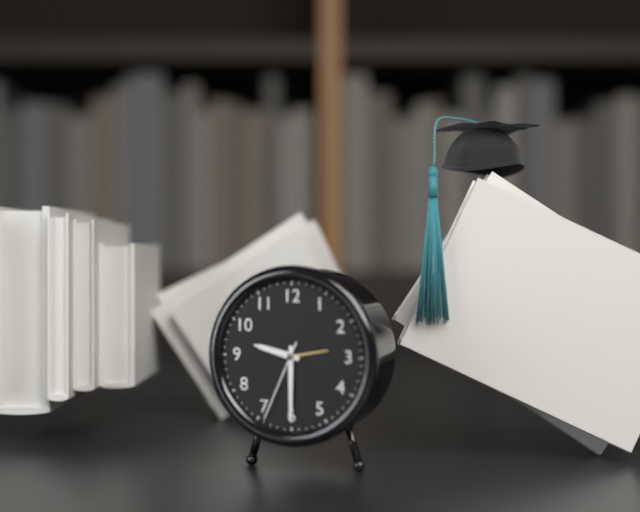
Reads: 9:30:34
